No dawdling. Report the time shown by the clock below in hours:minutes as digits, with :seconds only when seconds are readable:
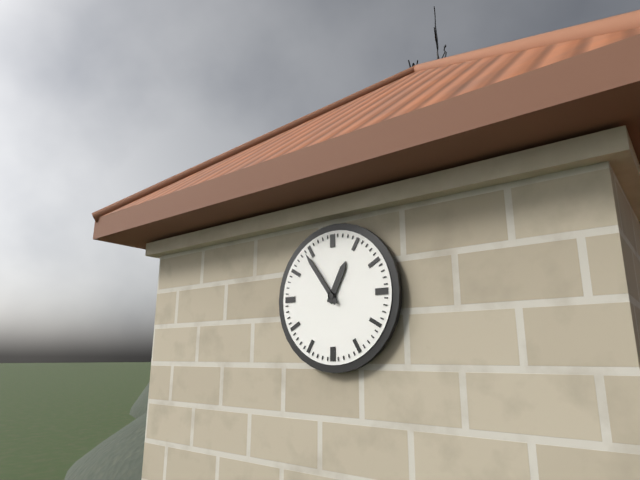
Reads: 12:54
